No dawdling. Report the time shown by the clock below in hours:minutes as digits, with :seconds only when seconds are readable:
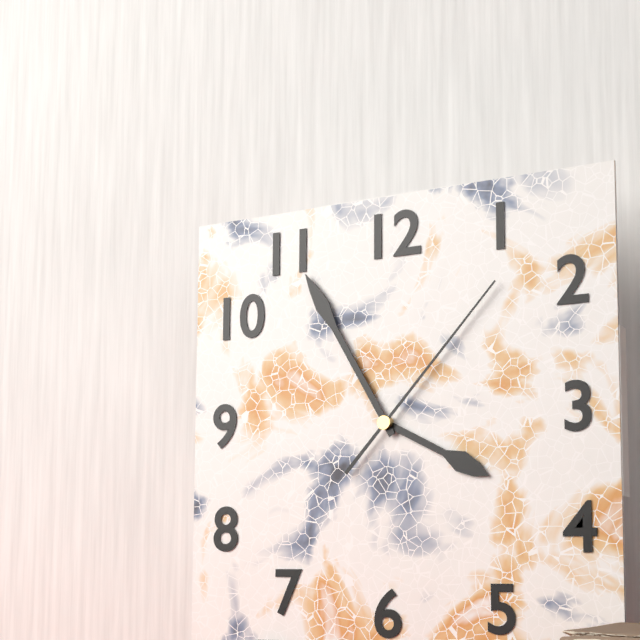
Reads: 3:55:07
